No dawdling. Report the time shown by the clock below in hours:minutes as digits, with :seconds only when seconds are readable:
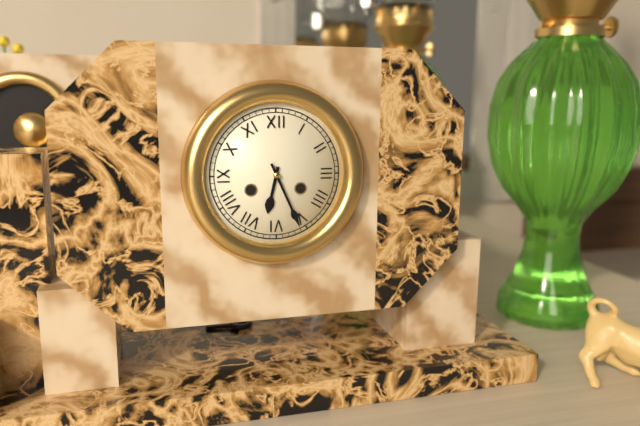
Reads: 6:26
